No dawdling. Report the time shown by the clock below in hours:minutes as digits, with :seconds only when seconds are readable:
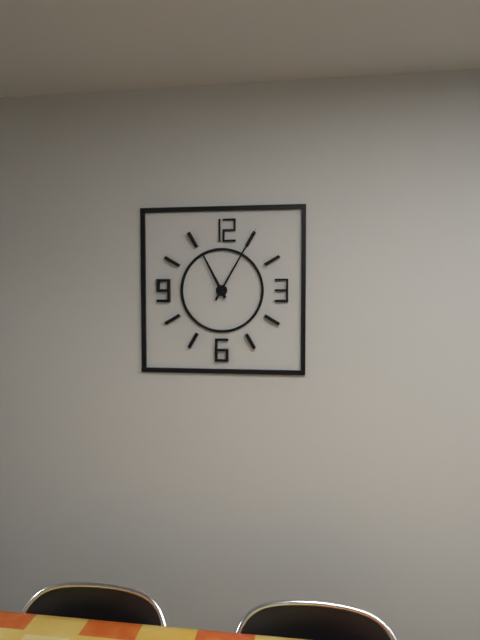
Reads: 11:05
